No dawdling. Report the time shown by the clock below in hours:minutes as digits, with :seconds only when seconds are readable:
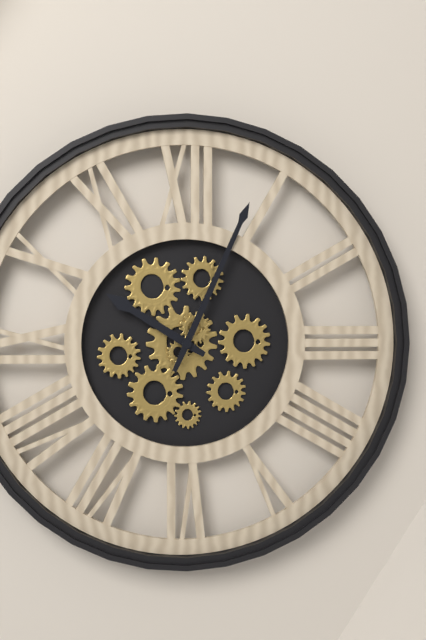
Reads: 10:04
